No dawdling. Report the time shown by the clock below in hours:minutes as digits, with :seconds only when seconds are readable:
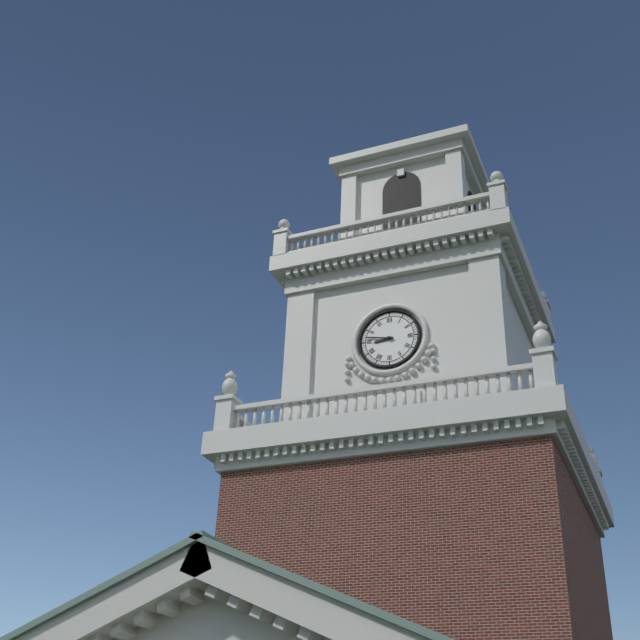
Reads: 8:47
